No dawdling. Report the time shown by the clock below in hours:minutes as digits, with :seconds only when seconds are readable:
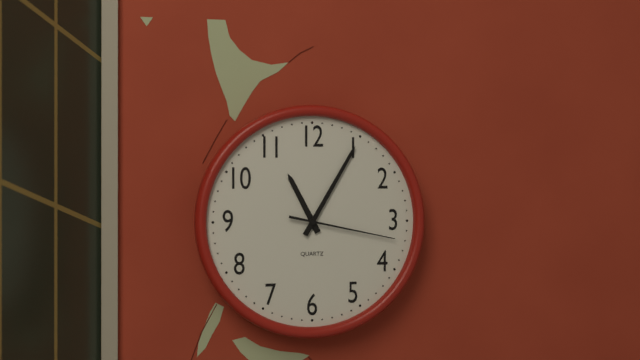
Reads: 11:05:17
